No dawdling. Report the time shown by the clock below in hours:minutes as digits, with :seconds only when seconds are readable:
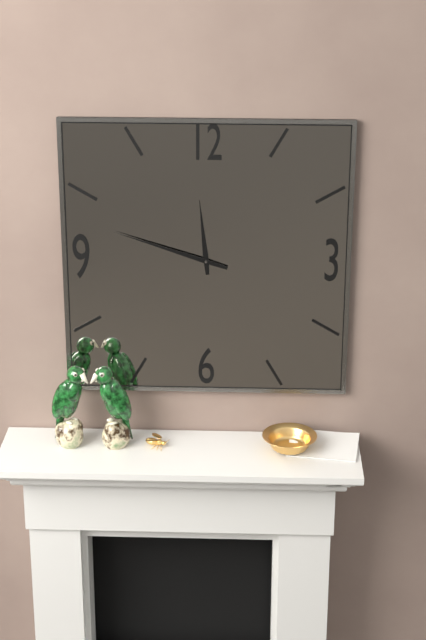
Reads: 11:48
